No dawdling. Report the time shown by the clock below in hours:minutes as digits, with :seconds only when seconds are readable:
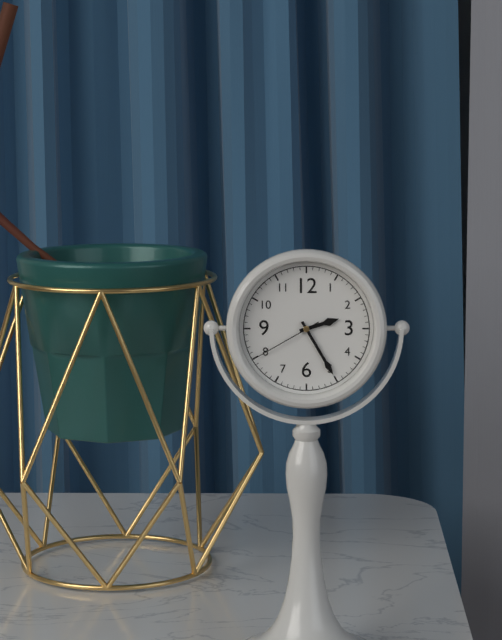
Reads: 2:25:40
